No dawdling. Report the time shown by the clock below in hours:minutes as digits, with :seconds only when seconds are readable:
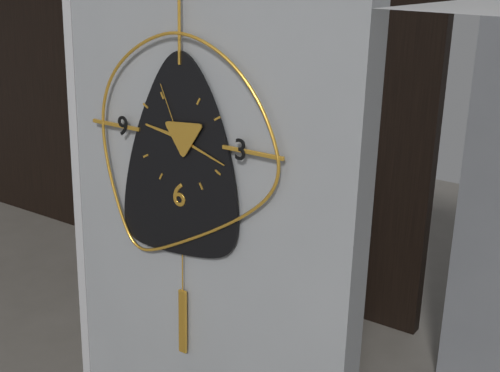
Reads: 9:18:56
